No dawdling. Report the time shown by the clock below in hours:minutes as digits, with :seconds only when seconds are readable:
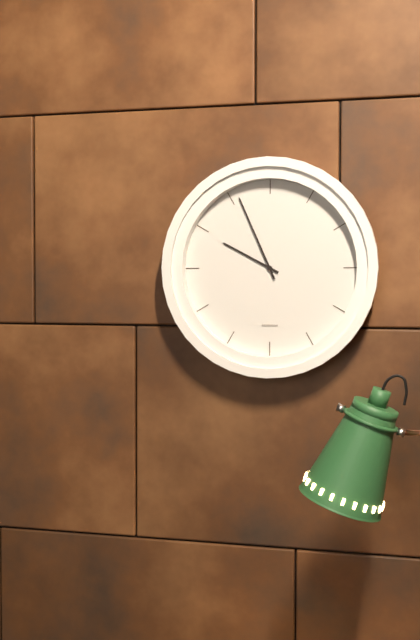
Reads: 9:56
